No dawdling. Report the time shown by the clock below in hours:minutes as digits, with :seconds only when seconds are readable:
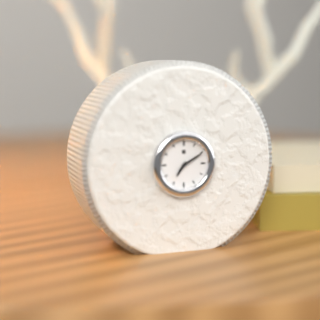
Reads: 7:10
